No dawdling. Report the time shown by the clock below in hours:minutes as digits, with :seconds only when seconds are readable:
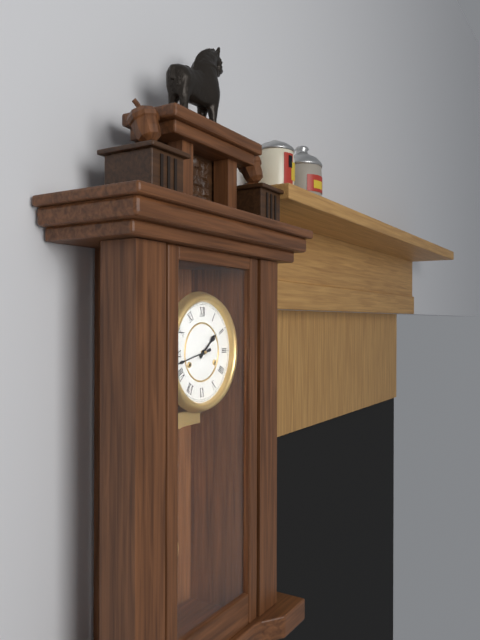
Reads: 1:43
